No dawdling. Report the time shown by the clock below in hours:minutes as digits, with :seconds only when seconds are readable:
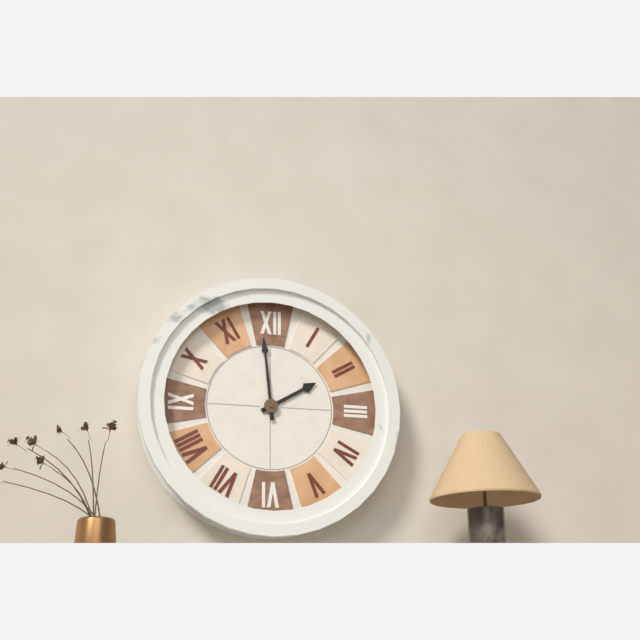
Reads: 1:59
